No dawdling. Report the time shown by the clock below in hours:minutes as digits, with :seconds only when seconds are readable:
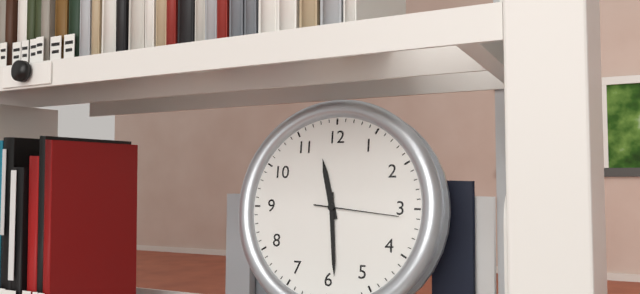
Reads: 11:29:16
